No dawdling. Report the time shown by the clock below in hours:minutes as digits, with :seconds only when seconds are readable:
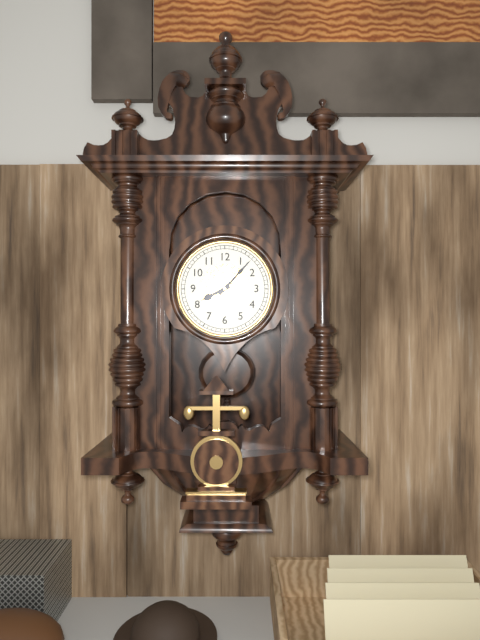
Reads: 8:07
